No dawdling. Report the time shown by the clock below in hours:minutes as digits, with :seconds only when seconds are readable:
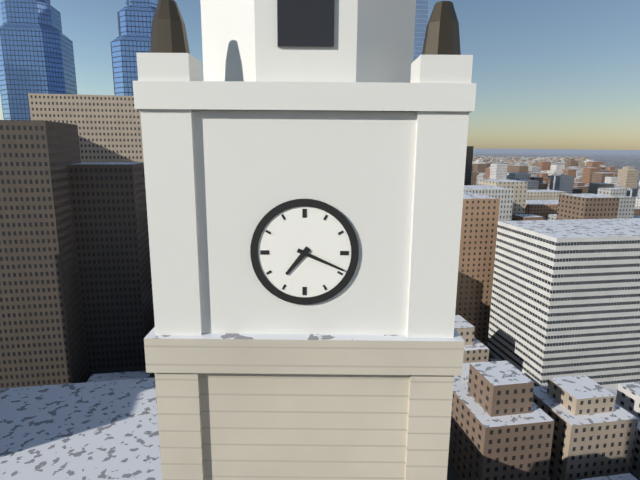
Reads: 7:19
